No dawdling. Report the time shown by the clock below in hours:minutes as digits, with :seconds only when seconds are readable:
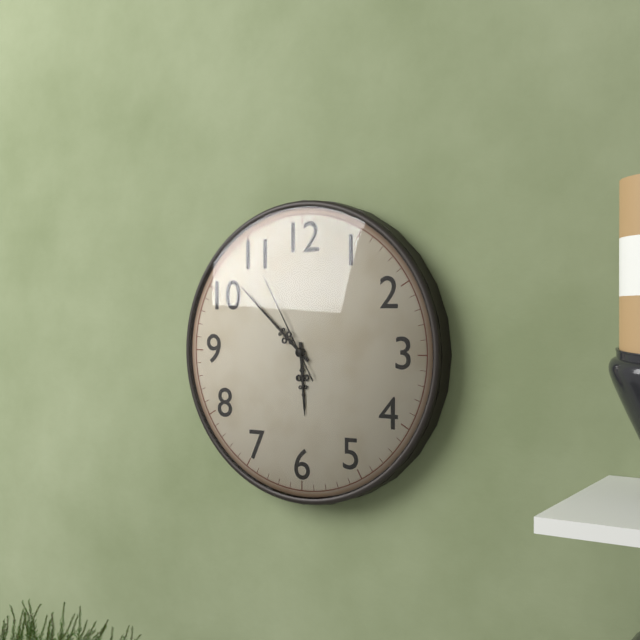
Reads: 5:52:55
